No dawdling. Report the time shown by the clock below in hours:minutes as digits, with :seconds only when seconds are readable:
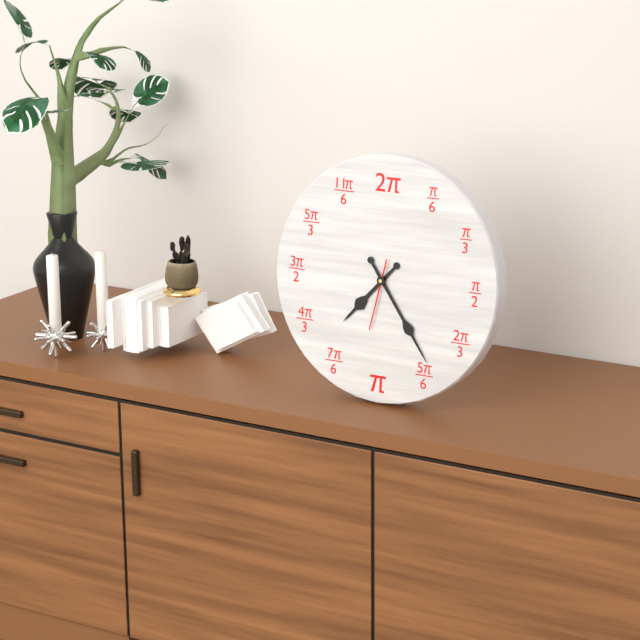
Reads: 7:24:32
